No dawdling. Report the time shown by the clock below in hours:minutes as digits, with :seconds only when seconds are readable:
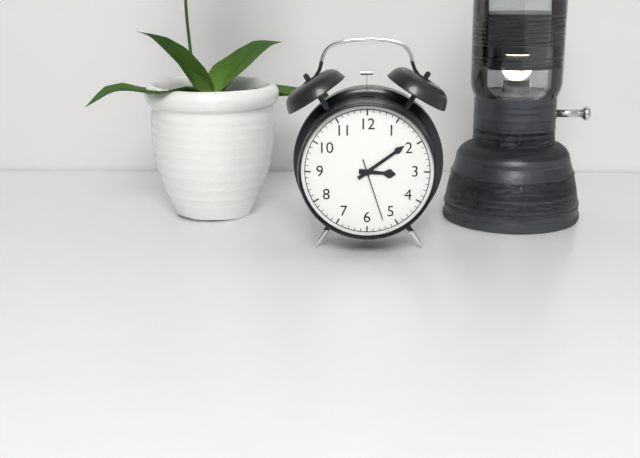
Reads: 3:09:27
